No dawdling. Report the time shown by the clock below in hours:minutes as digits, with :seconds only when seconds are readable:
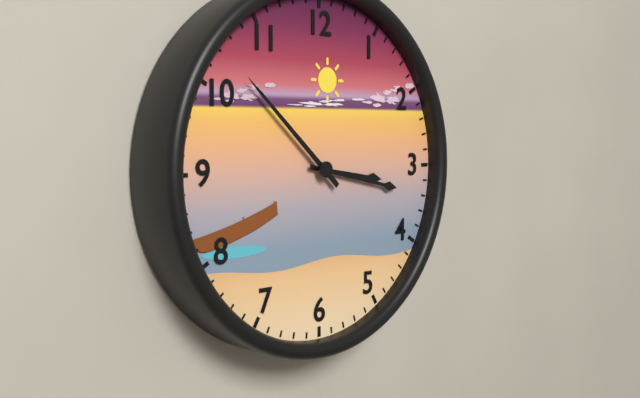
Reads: 3:17:52
